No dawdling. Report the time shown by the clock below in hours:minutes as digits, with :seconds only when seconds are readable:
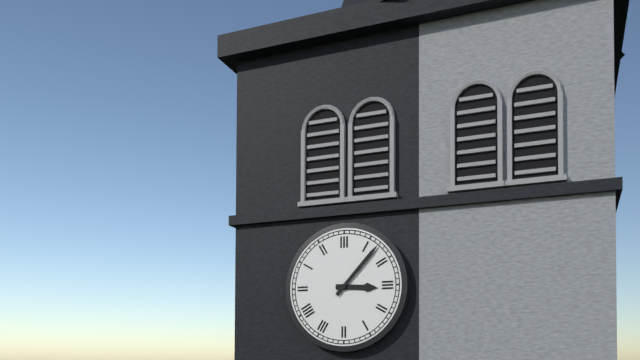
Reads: 3:07
